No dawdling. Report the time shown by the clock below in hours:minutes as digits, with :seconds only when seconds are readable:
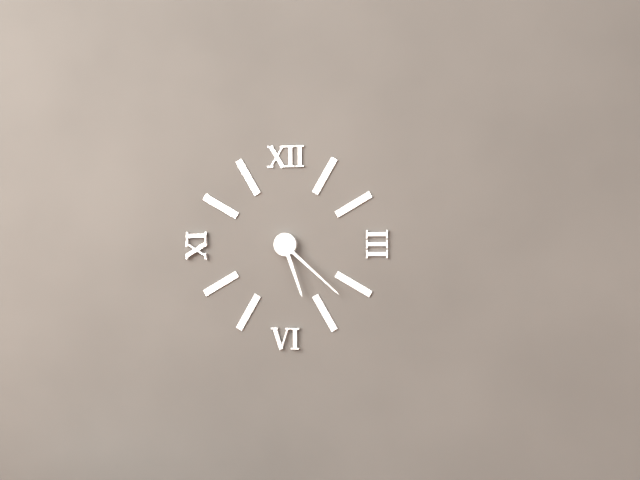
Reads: 5:22
